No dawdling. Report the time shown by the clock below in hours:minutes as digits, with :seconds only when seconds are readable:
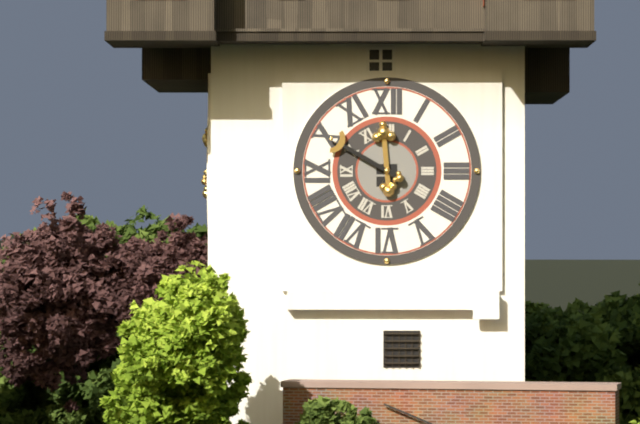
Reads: 11:50
